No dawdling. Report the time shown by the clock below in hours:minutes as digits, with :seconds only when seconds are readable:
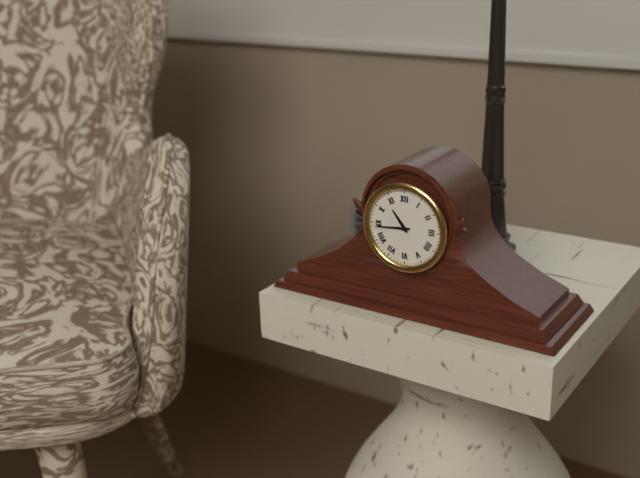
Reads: 10:44
